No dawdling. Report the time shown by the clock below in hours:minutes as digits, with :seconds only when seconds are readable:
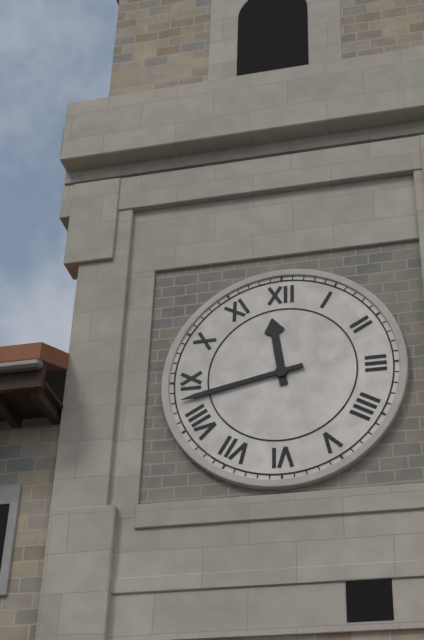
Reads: 11:43
